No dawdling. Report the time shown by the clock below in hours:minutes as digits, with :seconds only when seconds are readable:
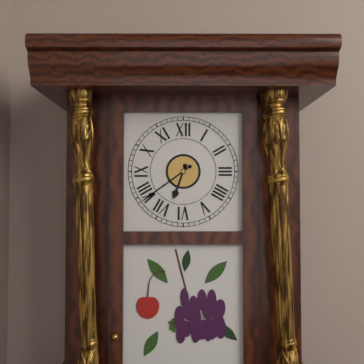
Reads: 6:39
